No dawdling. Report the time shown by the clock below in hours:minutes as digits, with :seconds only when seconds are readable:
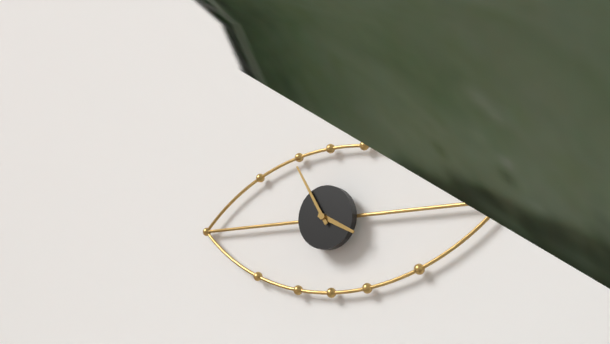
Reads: 3:55
